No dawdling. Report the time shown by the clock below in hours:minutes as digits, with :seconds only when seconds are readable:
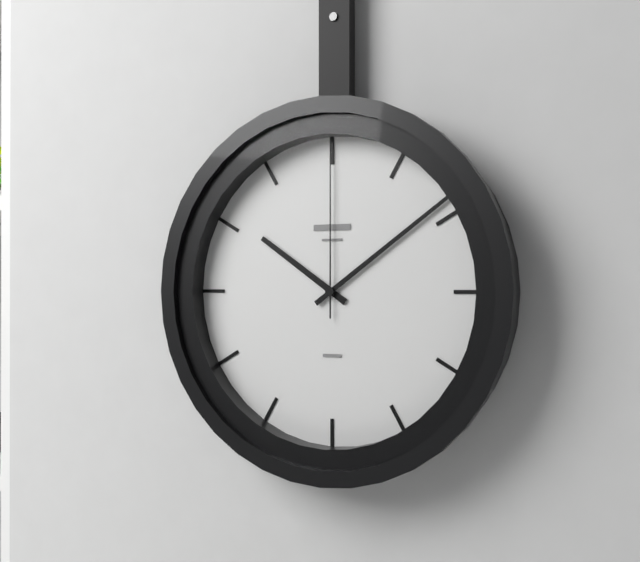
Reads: 10:09:00
